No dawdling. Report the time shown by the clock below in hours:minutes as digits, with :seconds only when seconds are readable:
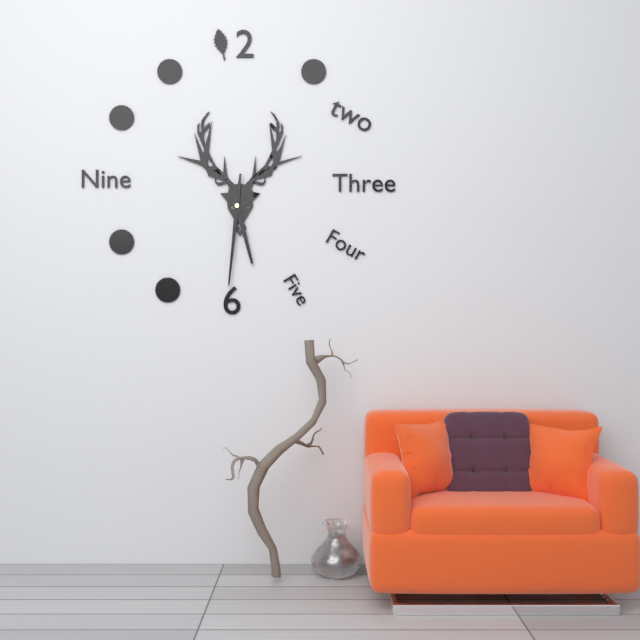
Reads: 5:31
